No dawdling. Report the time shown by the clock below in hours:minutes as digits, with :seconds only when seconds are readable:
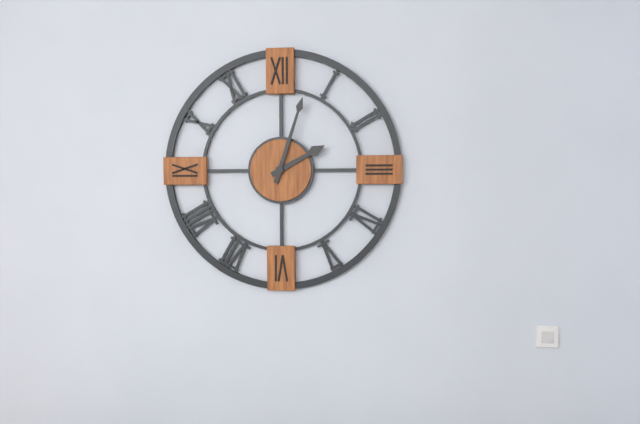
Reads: 2:03
